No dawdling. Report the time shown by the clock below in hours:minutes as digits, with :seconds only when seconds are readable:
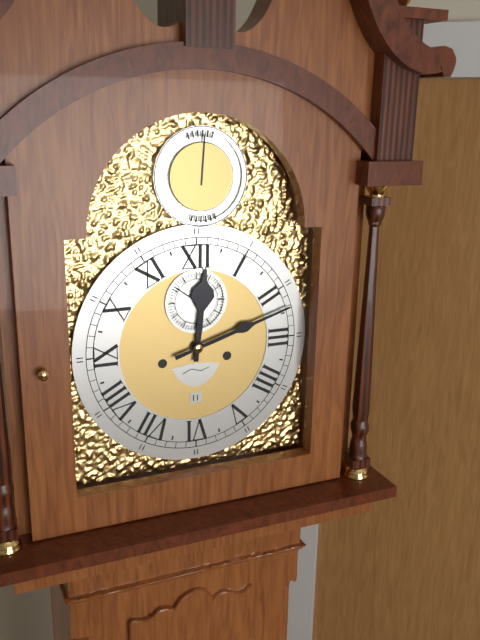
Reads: 12:12
